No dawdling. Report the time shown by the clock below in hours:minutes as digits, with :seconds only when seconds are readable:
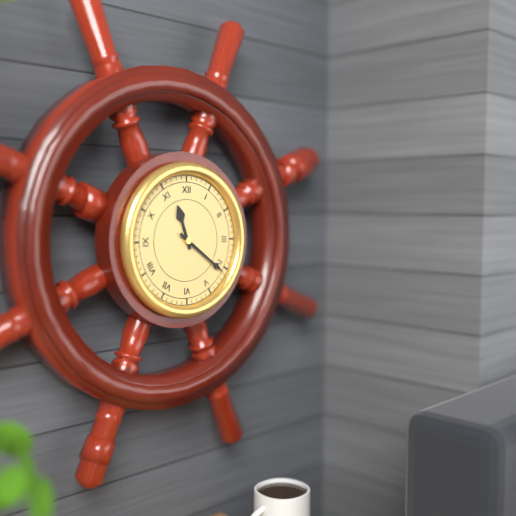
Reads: 11:21
